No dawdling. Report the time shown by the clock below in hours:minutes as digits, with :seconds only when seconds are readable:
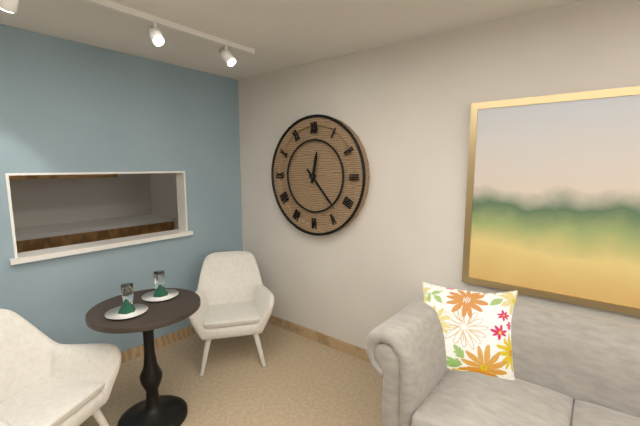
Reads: 12:23
